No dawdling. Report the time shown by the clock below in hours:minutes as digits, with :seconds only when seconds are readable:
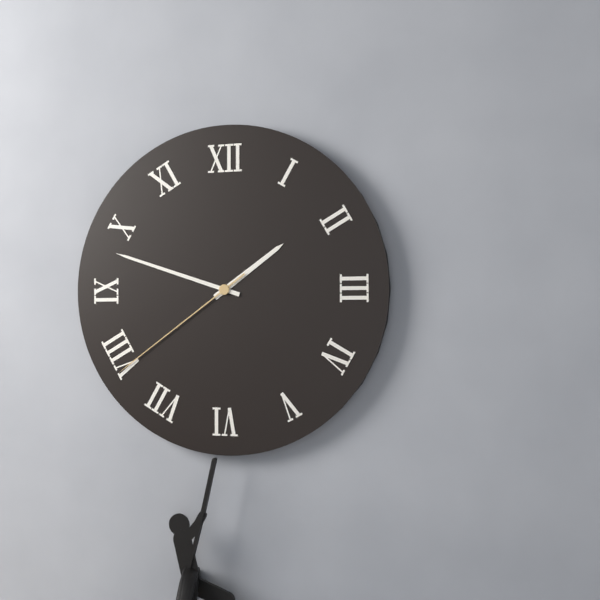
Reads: 1:48:39
